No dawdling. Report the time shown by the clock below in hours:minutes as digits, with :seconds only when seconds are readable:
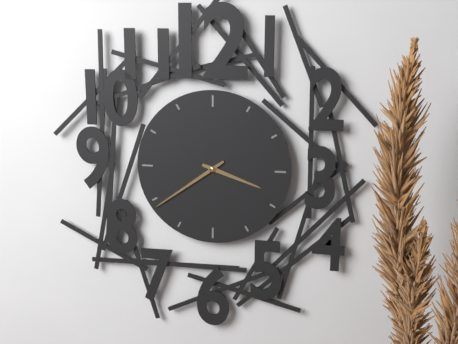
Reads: 3:39
